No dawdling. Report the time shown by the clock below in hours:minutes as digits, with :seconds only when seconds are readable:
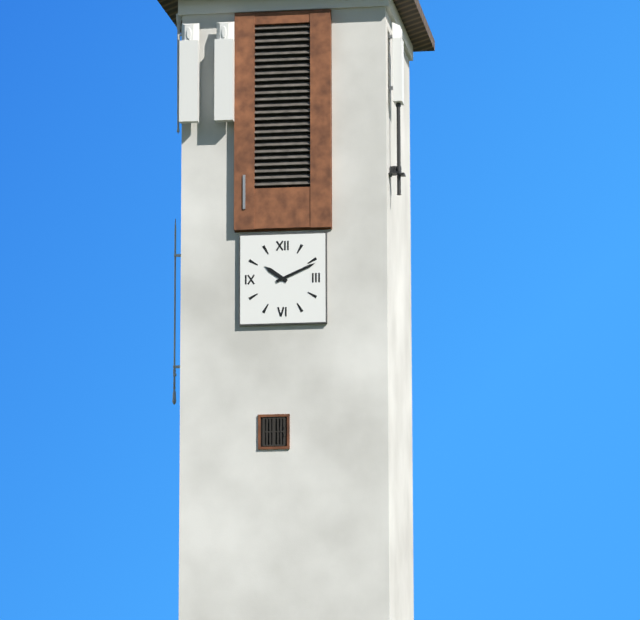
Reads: 10:11
